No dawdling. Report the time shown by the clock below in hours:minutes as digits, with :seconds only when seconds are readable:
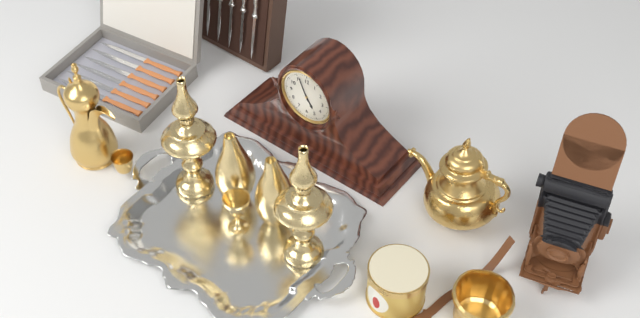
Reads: 4:56
